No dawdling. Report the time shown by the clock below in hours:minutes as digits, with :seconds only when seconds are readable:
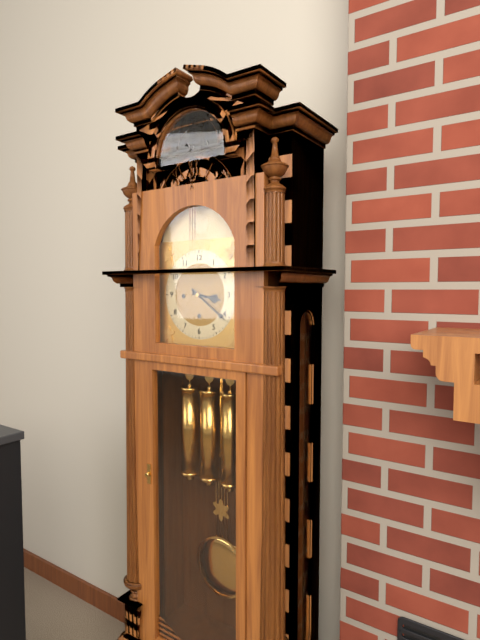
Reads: 3:21
